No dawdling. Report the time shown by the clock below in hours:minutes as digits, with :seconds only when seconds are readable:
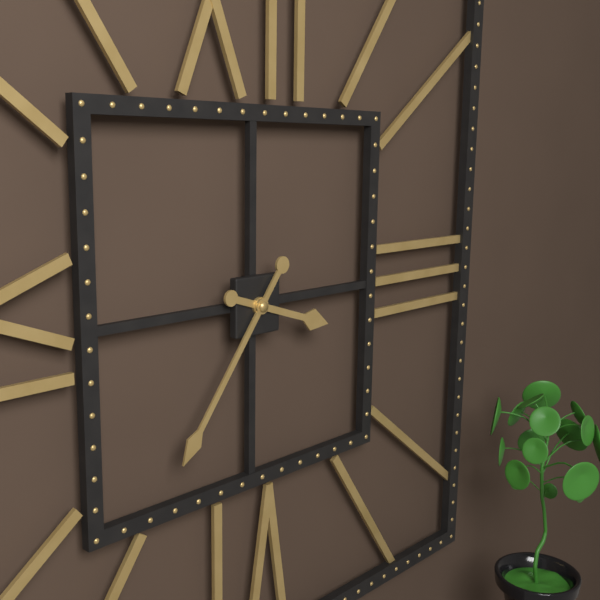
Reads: 3:36
